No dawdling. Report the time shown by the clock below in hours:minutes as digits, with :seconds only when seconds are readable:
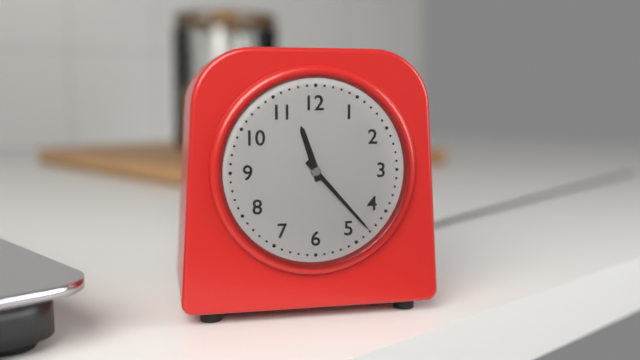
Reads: 11:23
